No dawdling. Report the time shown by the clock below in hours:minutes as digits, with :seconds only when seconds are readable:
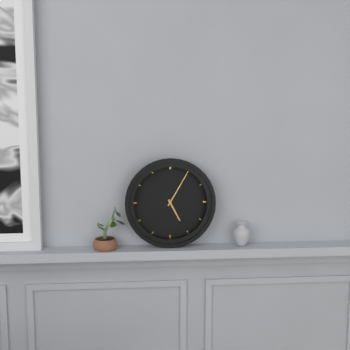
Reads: 5:05
